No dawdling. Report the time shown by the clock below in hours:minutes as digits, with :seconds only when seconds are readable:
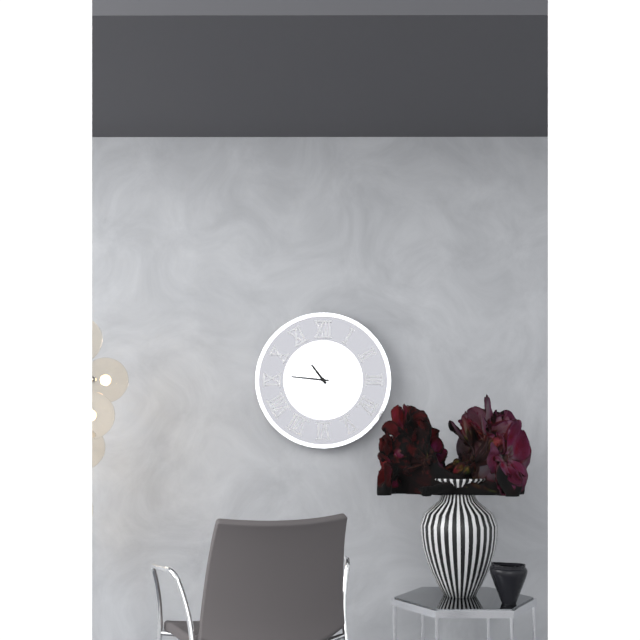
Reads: 10:46
